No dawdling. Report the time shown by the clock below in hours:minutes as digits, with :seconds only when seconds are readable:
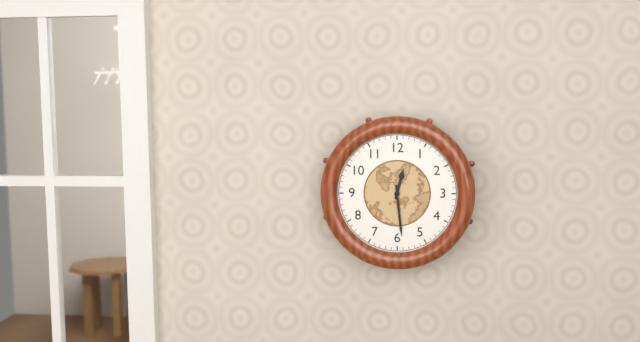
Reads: 12:29
